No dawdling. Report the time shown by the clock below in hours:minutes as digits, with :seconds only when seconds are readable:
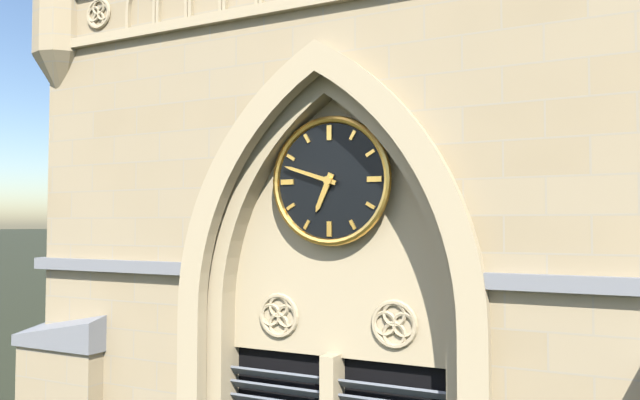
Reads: 6:48
